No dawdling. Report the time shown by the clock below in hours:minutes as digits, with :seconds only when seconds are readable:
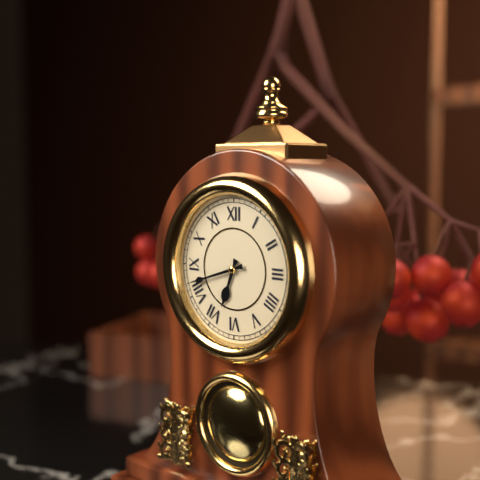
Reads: 6:42
